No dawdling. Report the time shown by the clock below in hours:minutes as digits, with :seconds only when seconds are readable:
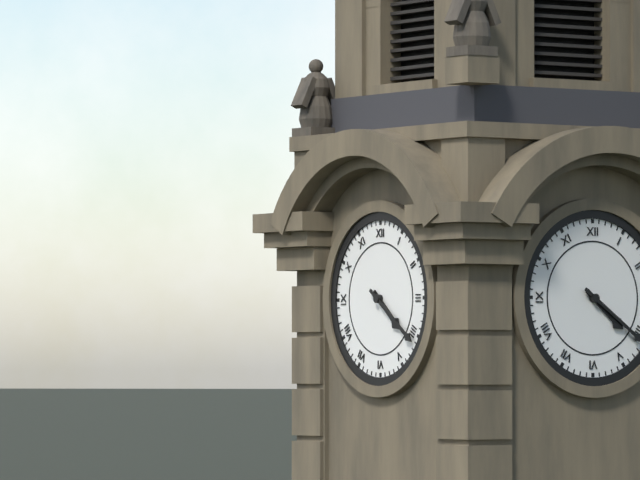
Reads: 4:21
